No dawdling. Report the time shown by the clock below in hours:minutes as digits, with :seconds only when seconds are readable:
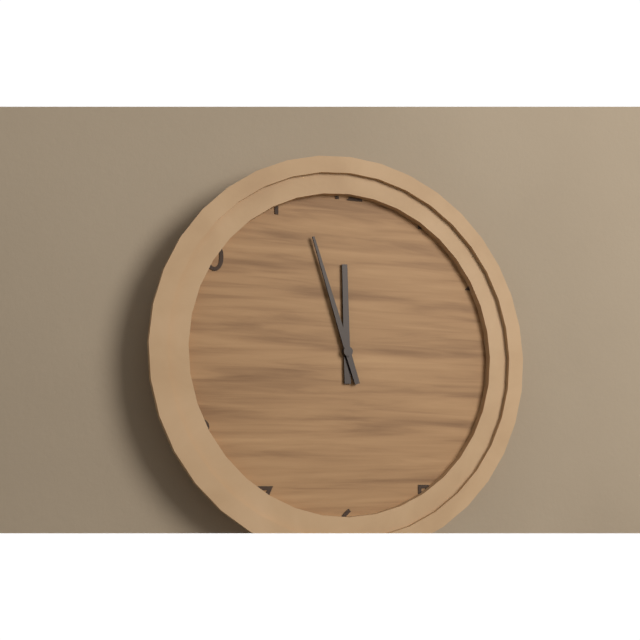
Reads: 11:57
